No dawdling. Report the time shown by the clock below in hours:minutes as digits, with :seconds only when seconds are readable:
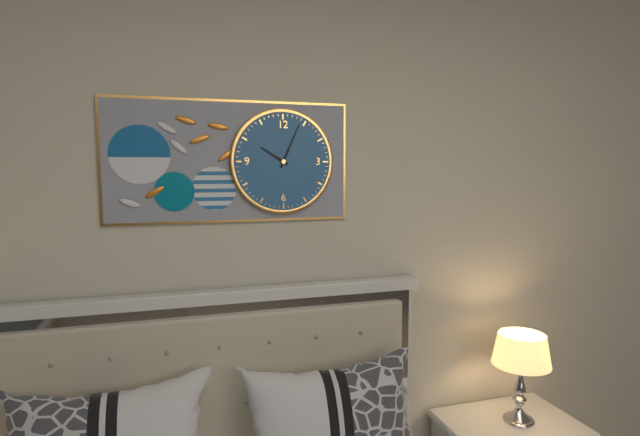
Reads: 10:04
